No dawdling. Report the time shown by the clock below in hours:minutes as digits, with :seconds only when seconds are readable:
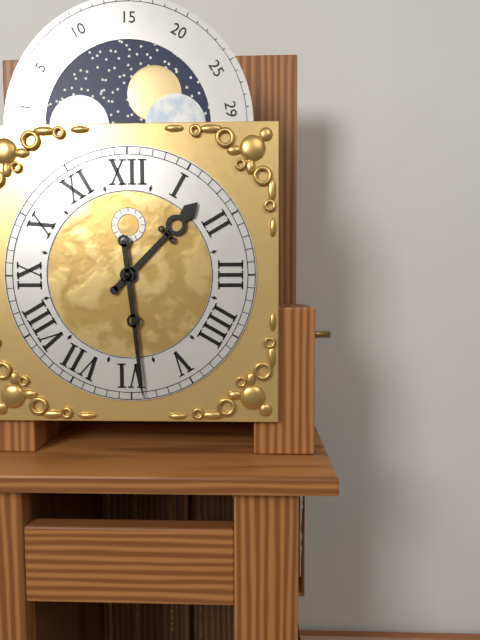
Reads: 1:29
